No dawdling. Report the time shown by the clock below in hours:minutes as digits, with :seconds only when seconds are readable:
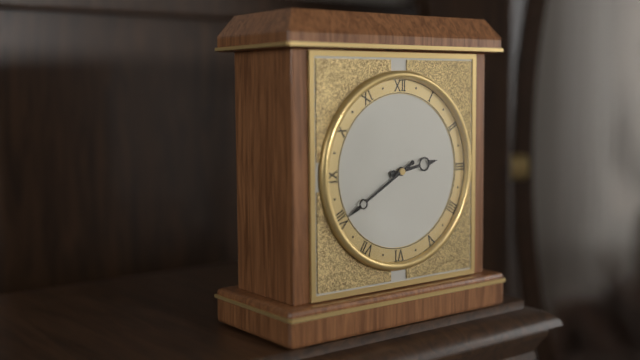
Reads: 2:40
